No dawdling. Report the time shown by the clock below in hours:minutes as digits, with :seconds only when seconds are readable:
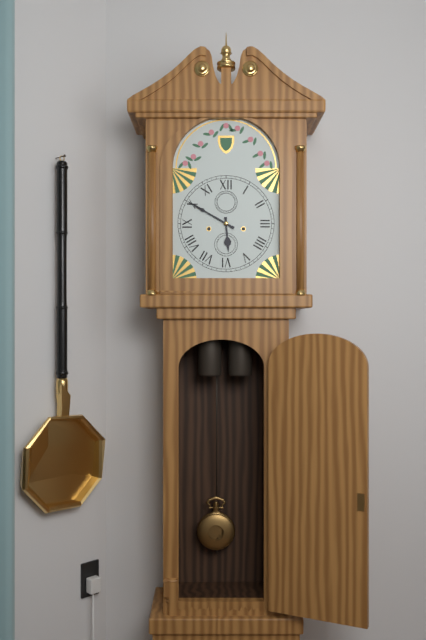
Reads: 5:50
